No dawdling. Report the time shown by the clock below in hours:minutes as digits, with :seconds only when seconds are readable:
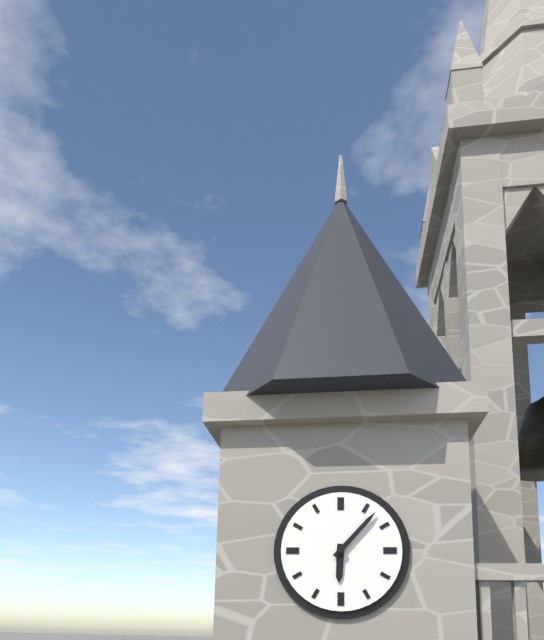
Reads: 6:07
